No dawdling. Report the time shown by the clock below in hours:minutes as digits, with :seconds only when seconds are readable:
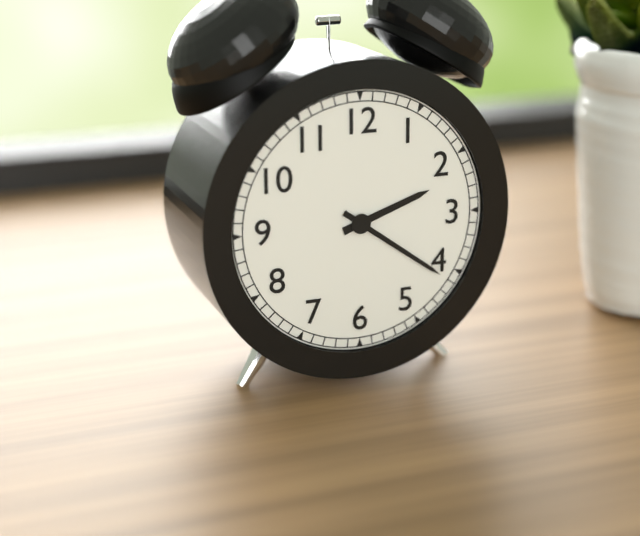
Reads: 2:21
